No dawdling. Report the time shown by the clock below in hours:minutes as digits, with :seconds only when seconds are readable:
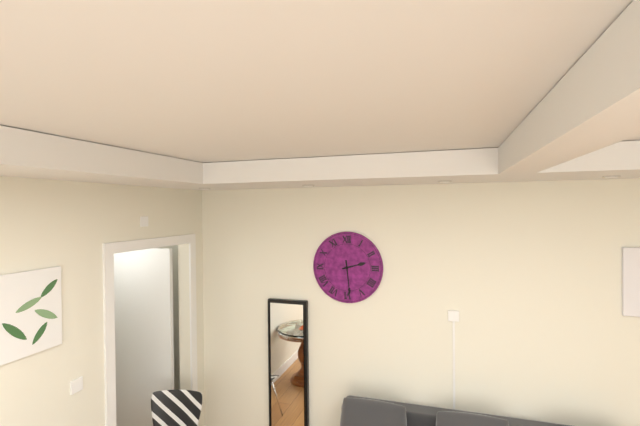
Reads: 2:29
